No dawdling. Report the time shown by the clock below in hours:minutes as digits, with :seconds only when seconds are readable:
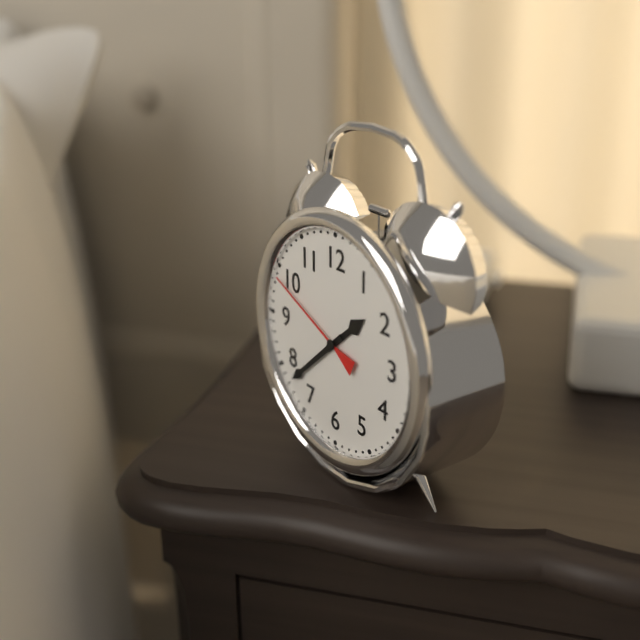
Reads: 1:38:49
